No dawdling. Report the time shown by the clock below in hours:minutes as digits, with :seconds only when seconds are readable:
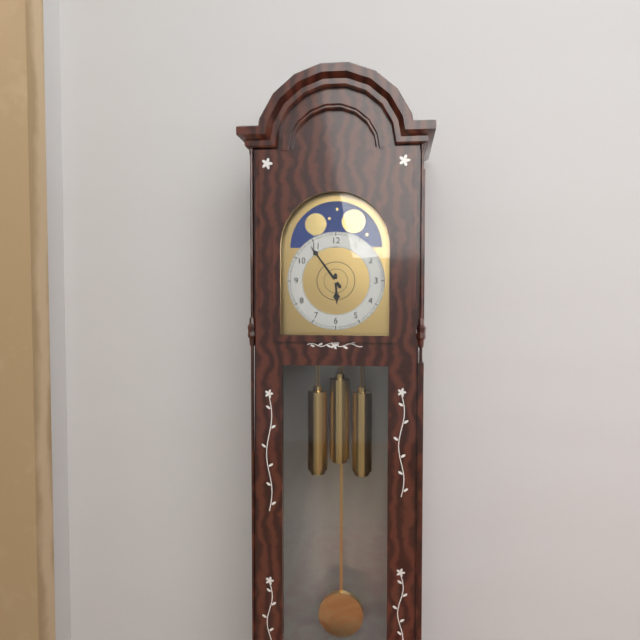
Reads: 5:54
